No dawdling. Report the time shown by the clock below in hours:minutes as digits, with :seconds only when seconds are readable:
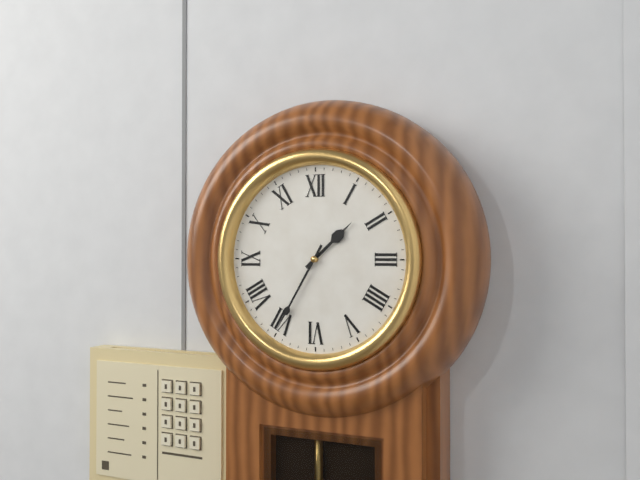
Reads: 1:35
